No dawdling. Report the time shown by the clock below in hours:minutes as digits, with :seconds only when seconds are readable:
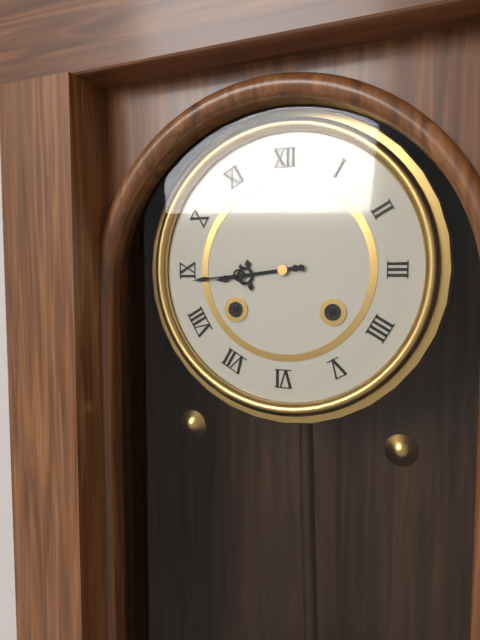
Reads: 8:44
